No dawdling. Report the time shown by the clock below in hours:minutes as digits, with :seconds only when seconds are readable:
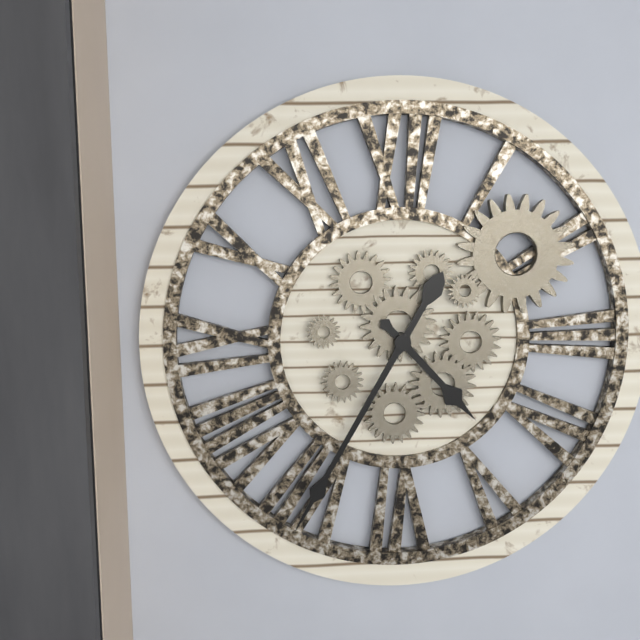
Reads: 4:35
